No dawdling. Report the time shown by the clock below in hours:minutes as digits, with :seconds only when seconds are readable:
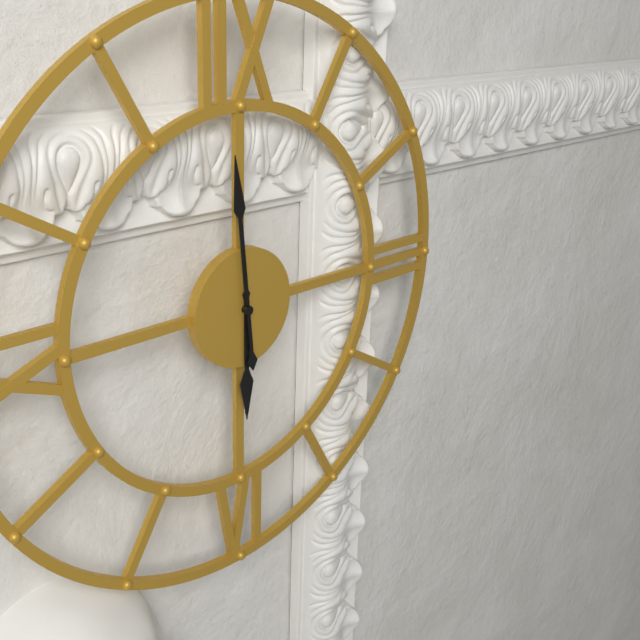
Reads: 5:59
